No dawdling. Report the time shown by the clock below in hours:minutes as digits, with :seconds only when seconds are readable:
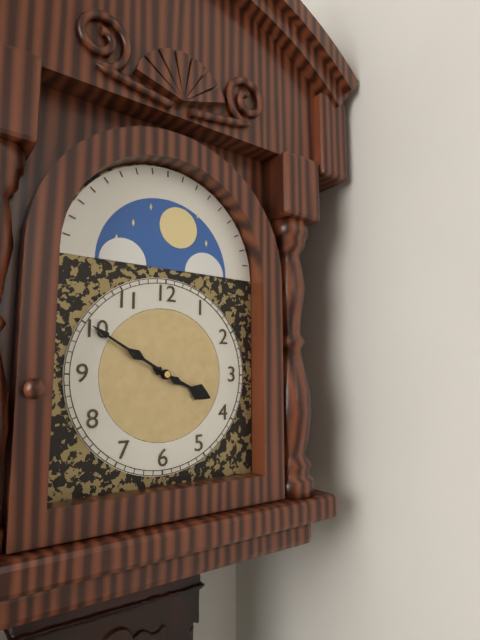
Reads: 3:50
